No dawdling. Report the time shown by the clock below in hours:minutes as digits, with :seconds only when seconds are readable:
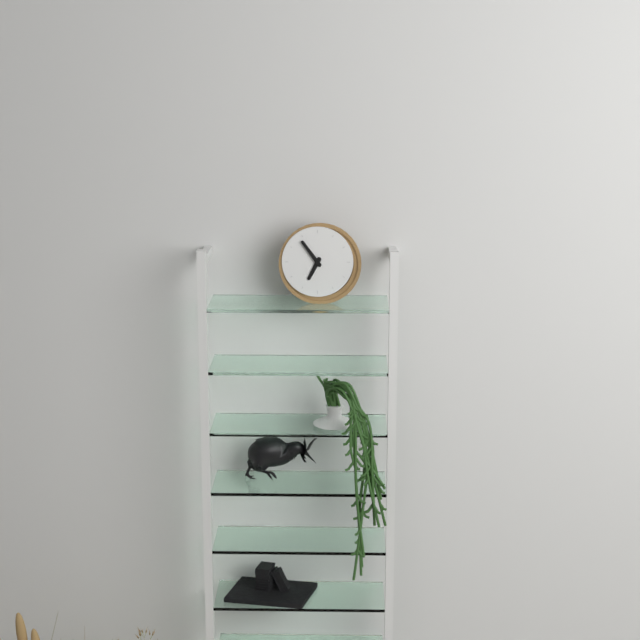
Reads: 6:54
